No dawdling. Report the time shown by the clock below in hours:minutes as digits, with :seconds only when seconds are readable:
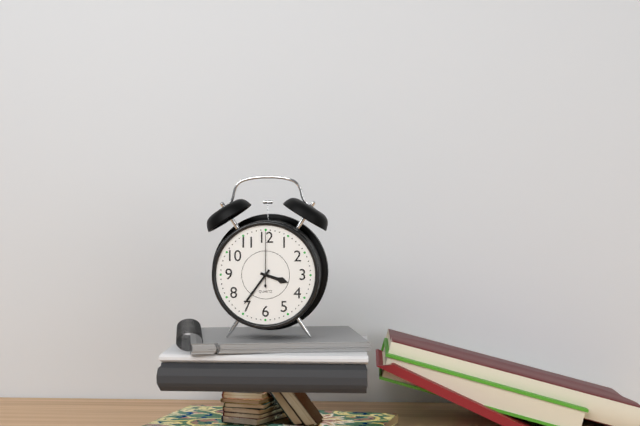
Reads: 3:36:00
